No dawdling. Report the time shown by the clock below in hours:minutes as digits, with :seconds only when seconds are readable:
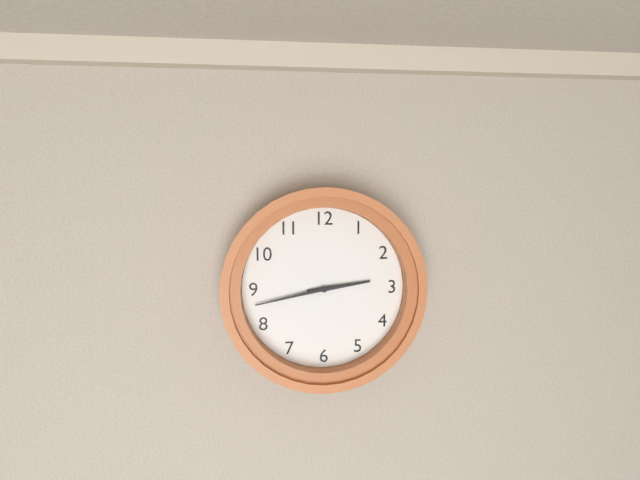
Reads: 2:43
